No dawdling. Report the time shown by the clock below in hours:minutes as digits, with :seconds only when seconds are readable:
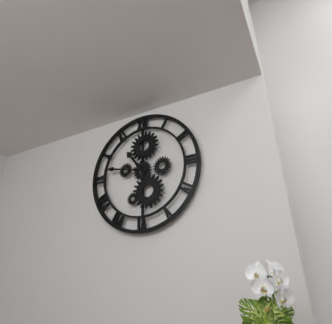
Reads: 10:47
